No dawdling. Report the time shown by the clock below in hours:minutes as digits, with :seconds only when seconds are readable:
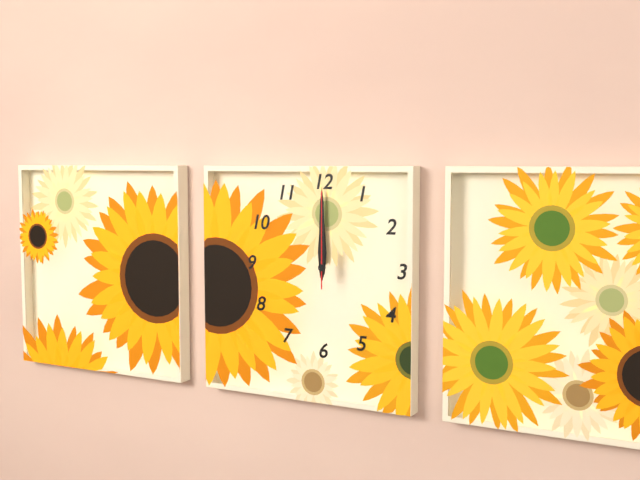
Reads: 12:00:00
